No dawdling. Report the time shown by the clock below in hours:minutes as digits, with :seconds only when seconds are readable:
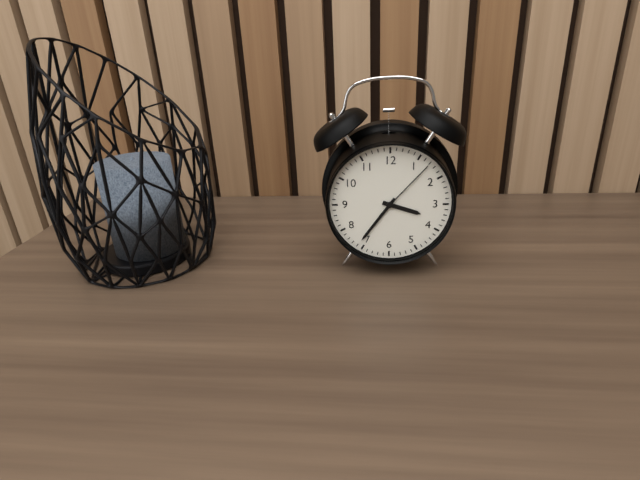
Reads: 3:36:07
